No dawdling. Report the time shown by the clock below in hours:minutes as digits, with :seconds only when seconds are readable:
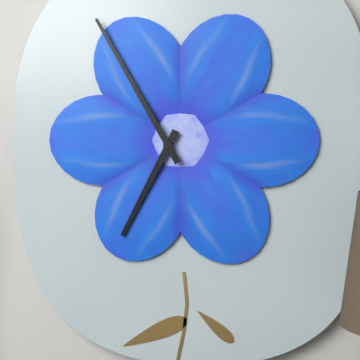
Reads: 6:55
